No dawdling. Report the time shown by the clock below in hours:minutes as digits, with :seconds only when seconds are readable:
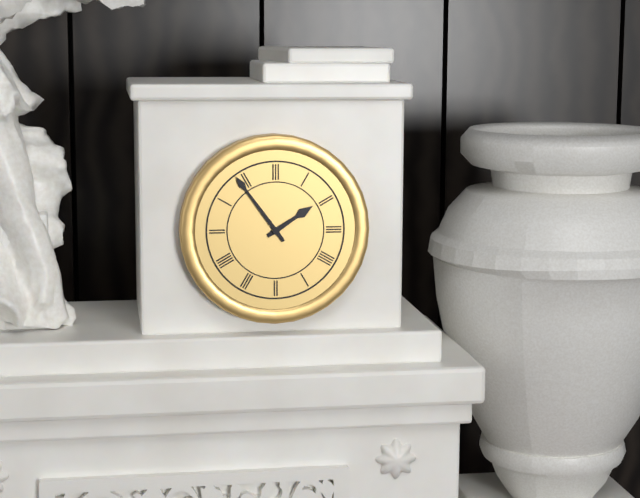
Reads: 1:54
